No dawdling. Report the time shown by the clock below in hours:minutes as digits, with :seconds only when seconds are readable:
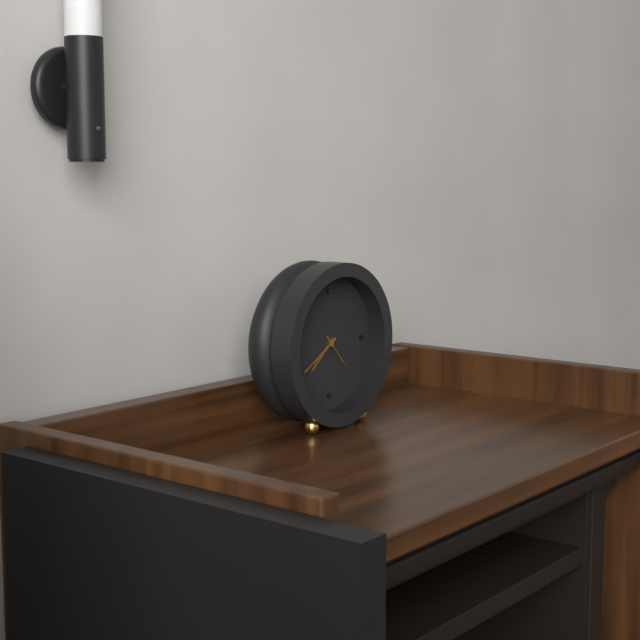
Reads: 7:40
